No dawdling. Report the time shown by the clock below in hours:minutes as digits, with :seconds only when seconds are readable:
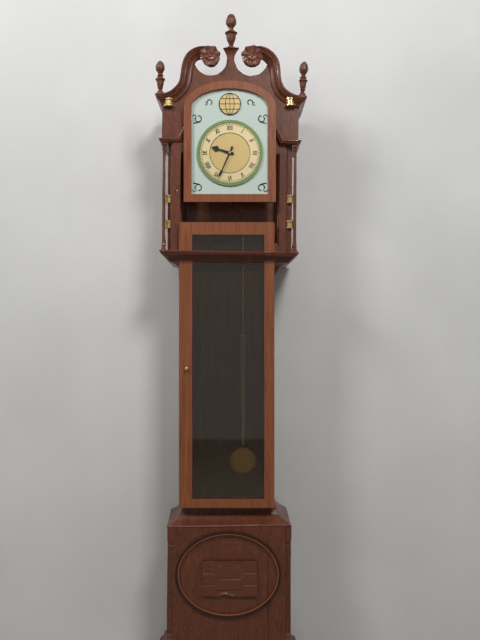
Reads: 9:34
